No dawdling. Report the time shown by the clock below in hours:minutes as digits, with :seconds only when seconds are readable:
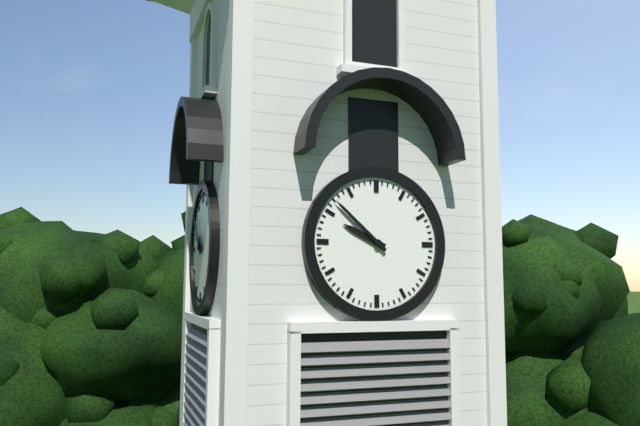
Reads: 9:52
